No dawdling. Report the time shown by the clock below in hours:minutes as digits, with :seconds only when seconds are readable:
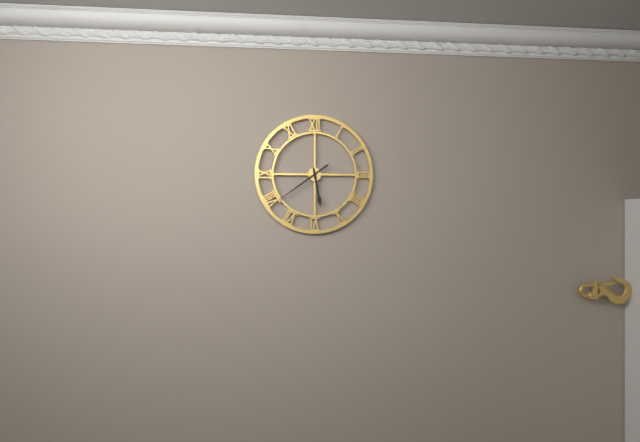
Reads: 5:39
